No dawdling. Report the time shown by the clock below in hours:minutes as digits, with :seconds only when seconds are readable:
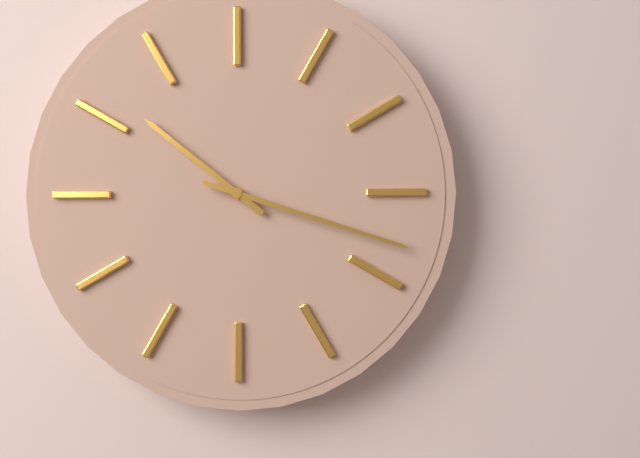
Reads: 10:18
